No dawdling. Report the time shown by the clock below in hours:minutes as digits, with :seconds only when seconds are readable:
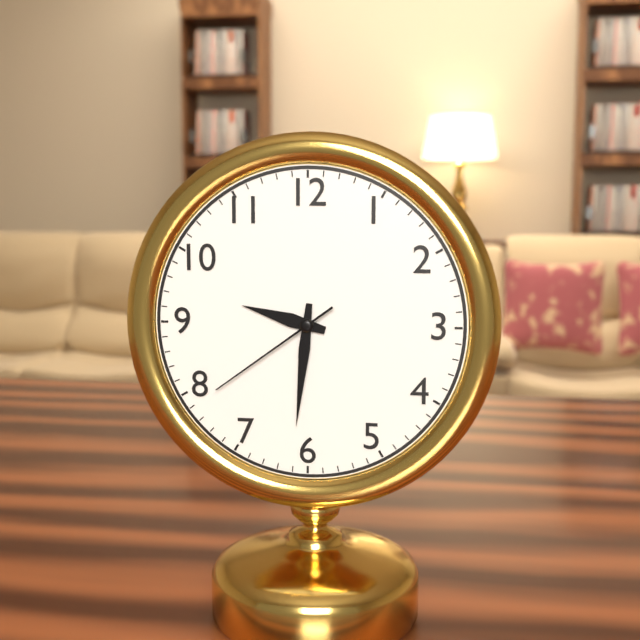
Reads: 9:31:39
